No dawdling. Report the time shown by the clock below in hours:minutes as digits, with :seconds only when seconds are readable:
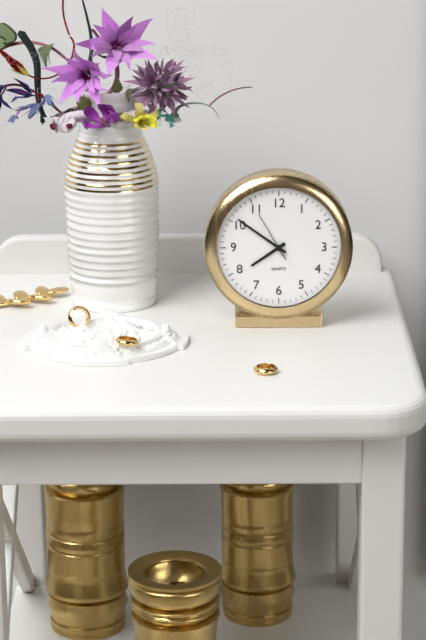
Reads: 7:51
